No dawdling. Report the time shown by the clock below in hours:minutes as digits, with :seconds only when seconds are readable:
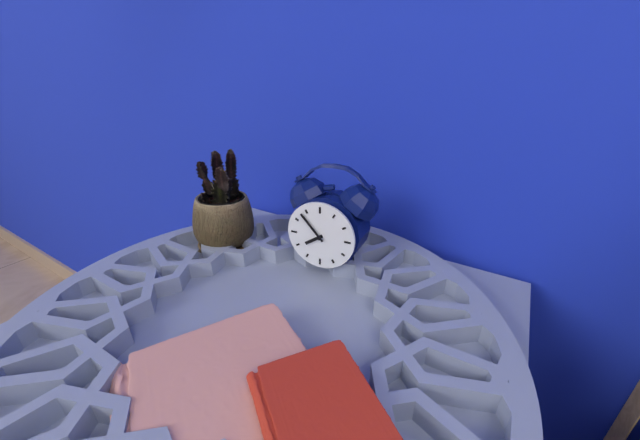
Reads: 7:53
